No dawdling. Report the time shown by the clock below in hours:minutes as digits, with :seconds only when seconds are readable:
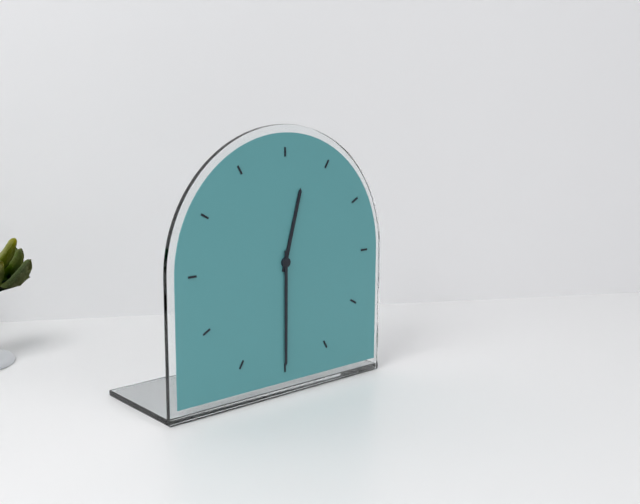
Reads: 12:30
